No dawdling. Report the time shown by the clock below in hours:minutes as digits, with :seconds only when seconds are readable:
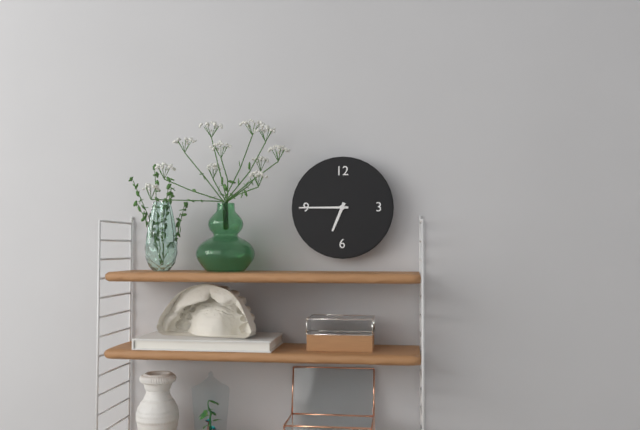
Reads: 6:45
